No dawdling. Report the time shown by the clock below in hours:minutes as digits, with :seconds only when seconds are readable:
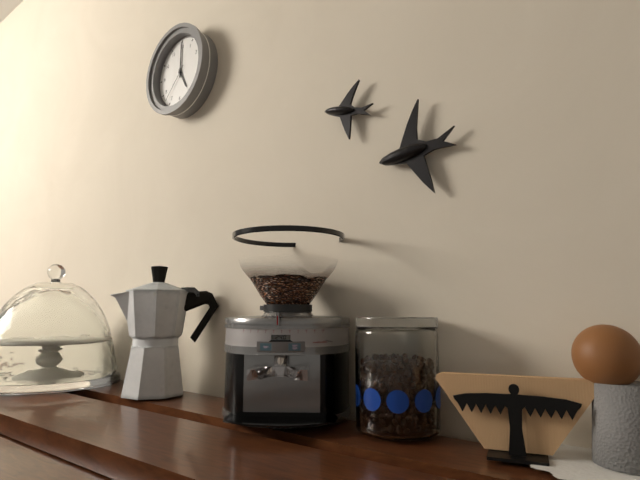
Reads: 5:00
